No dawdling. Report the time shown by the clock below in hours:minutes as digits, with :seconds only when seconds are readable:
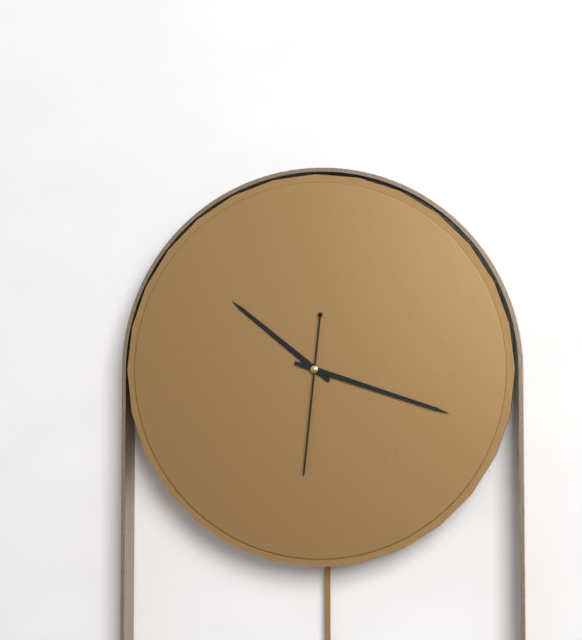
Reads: 10:18:31
